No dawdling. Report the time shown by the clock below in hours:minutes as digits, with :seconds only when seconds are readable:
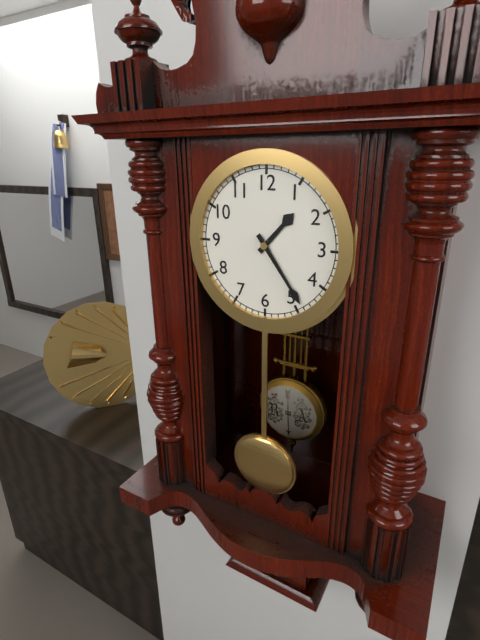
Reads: 1:24
